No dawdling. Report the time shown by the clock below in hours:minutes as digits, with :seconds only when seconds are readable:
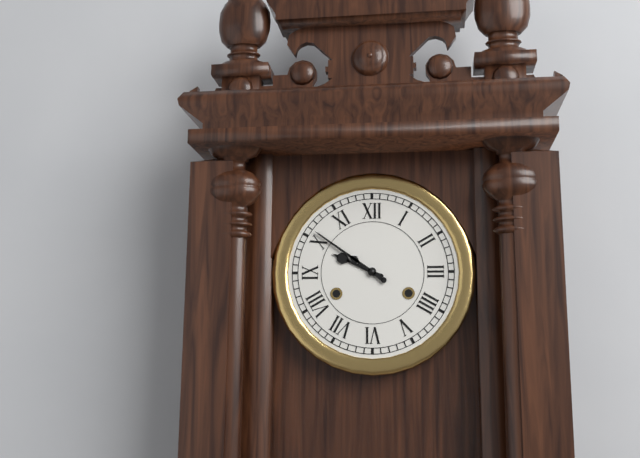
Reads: 9:51
